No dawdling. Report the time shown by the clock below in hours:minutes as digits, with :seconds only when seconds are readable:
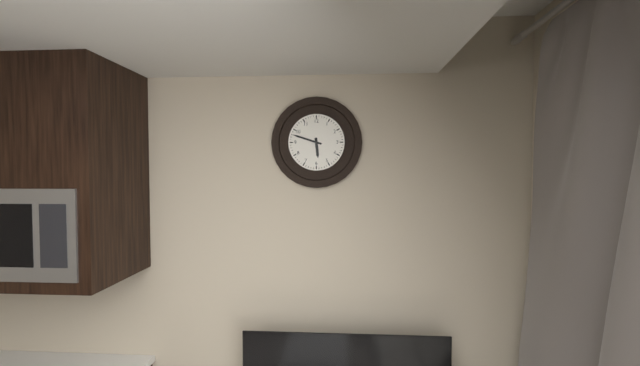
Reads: 5:48
